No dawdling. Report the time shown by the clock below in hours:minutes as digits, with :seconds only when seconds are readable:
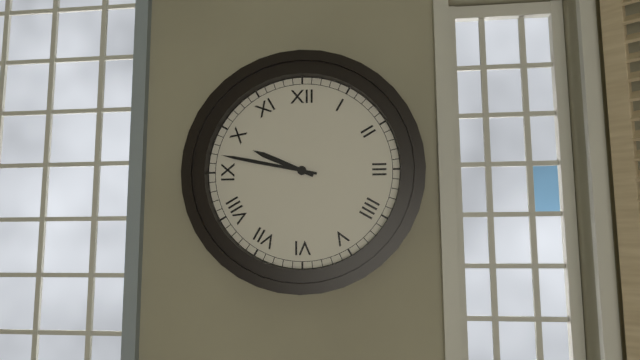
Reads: 9:47
